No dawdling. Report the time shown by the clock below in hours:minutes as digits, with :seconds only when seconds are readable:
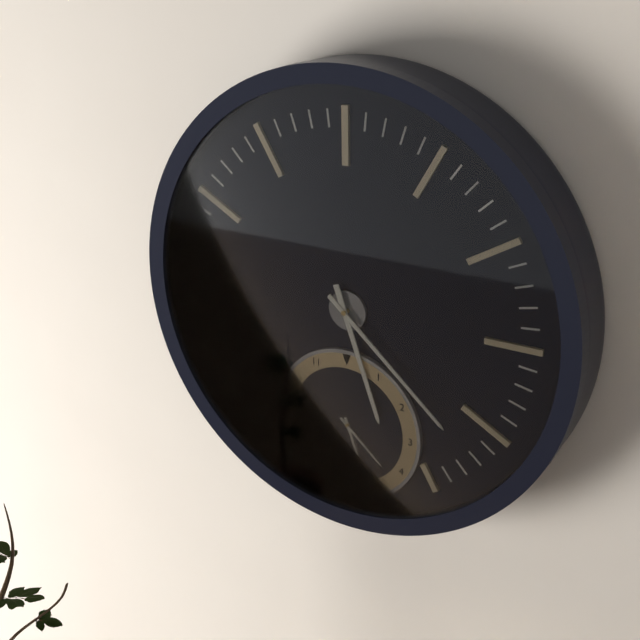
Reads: 5:22
